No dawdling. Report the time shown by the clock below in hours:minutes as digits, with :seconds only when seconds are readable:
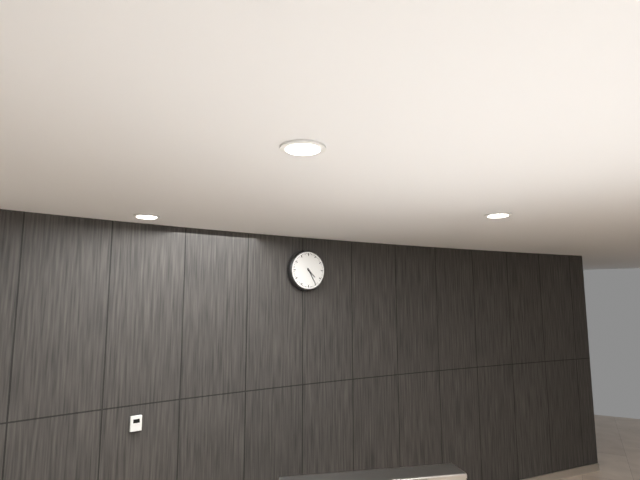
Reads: 4:25
